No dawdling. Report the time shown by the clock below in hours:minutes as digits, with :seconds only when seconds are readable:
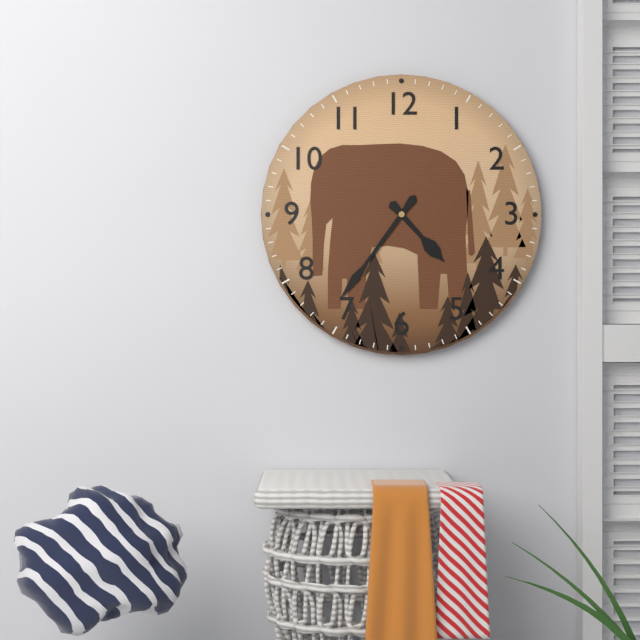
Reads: 4:36
